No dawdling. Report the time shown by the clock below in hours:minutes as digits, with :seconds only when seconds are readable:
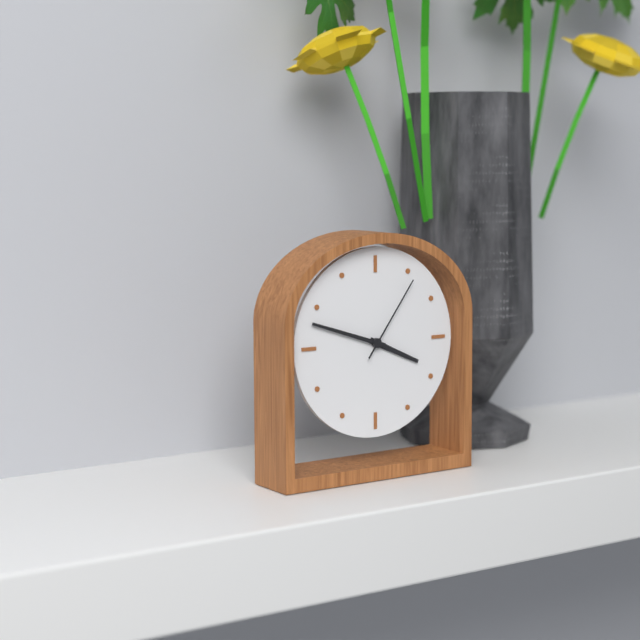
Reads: 3:48:06
